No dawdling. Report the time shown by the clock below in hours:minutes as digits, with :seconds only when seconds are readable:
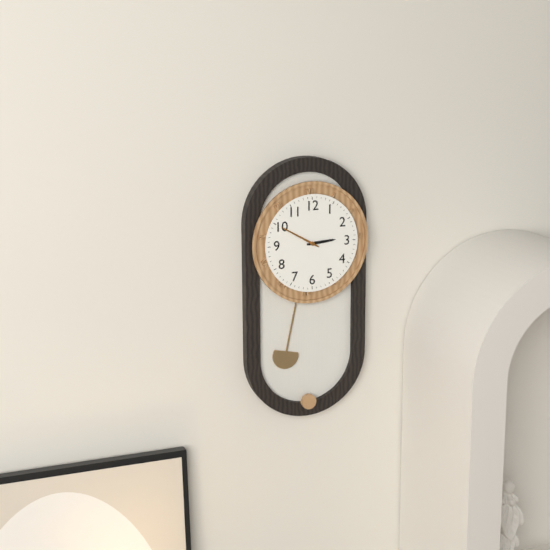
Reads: 2:50
